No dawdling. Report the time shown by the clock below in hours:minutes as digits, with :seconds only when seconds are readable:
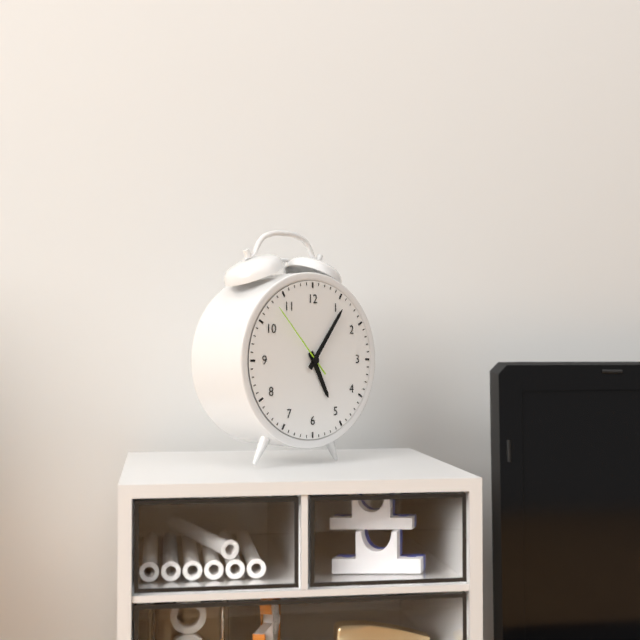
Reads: 5:06:53
